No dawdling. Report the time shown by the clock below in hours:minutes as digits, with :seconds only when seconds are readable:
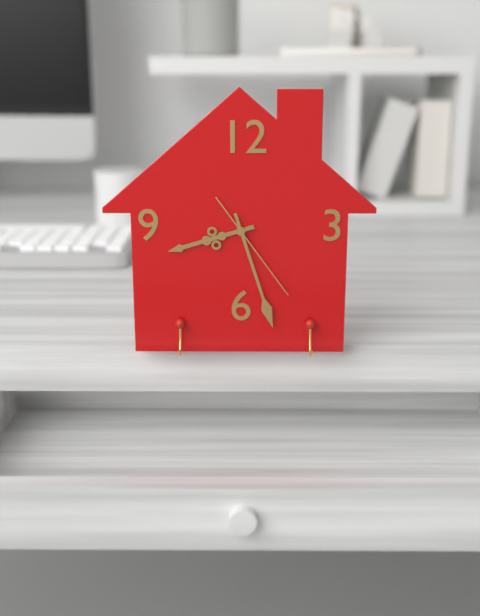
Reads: 8:27:24
